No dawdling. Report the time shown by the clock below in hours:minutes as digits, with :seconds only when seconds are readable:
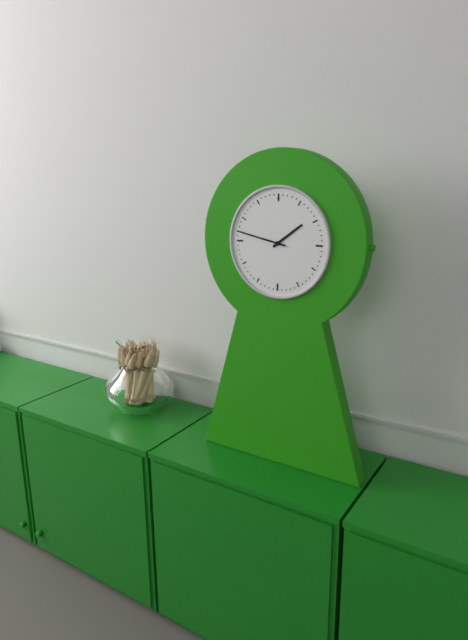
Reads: 1:47
